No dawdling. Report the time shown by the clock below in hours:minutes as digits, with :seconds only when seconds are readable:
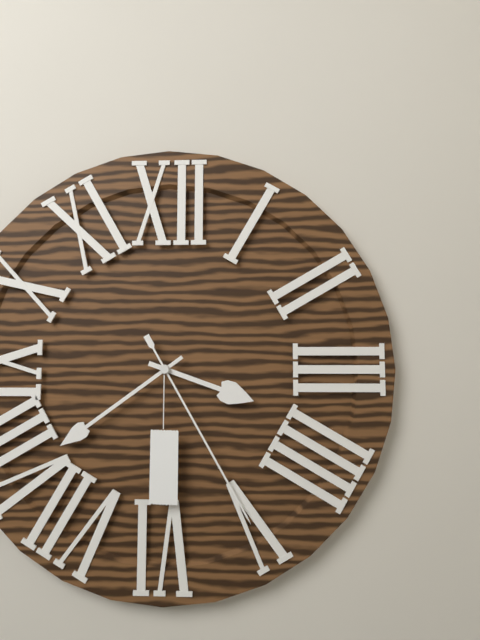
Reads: 3:39:25
